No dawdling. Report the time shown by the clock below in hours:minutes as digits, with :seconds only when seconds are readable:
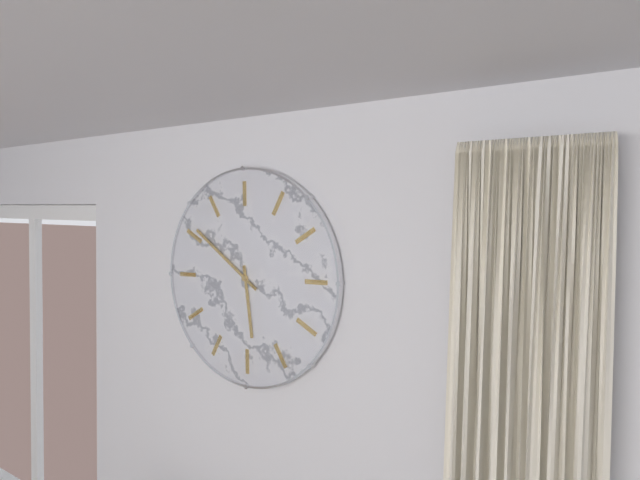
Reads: 4:46
